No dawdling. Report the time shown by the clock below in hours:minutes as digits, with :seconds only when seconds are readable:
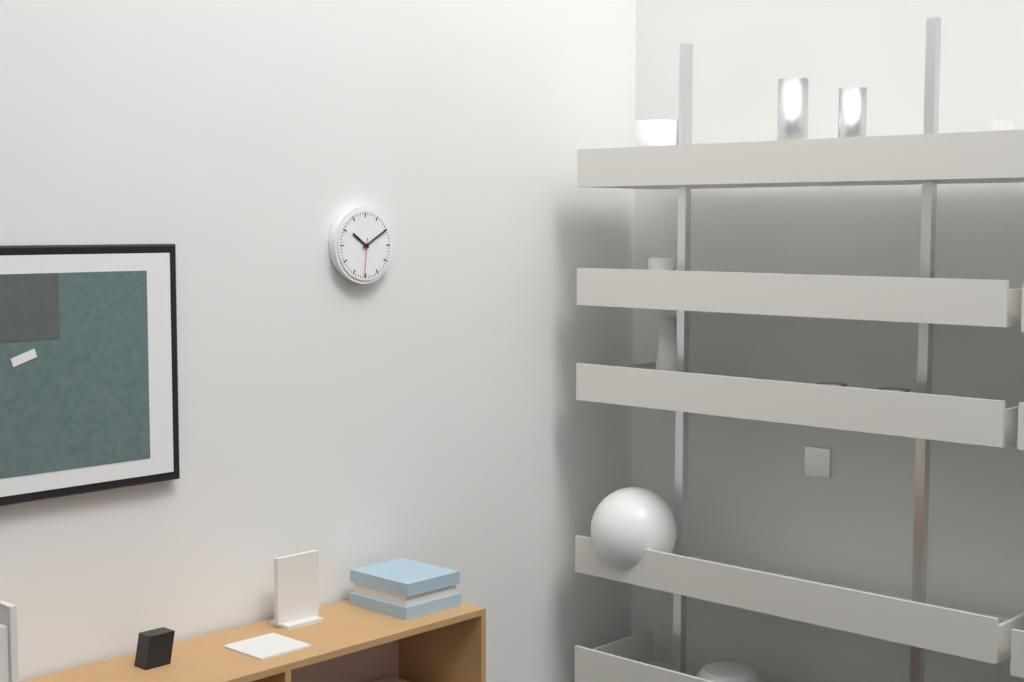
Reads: 10:10
